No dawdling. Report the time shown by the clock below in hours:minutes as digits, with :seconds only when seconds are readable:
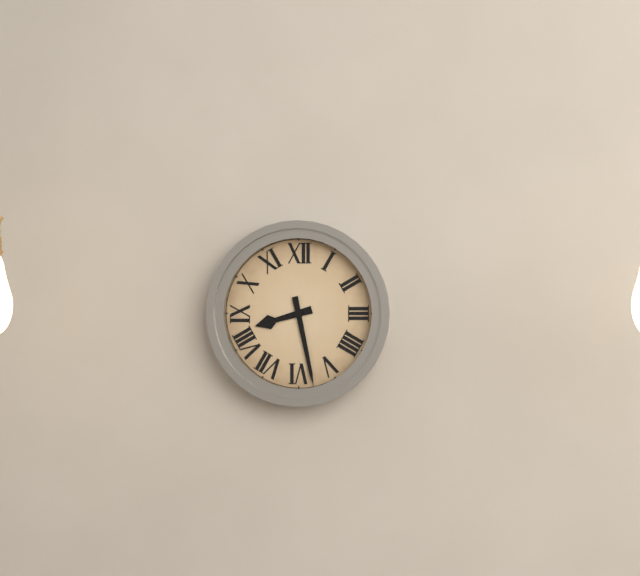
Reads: 8:28
